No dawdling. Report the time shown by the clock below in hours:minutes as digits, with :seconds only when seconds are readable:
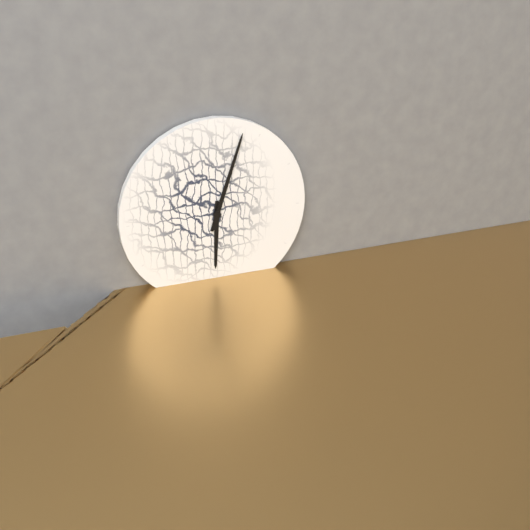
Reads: 6:03
